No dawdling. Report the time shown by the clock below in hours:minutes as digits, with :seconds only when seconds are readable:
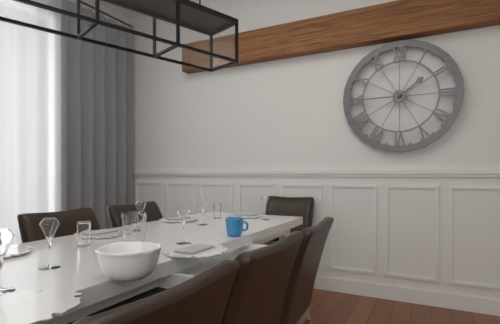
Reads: 1:45
